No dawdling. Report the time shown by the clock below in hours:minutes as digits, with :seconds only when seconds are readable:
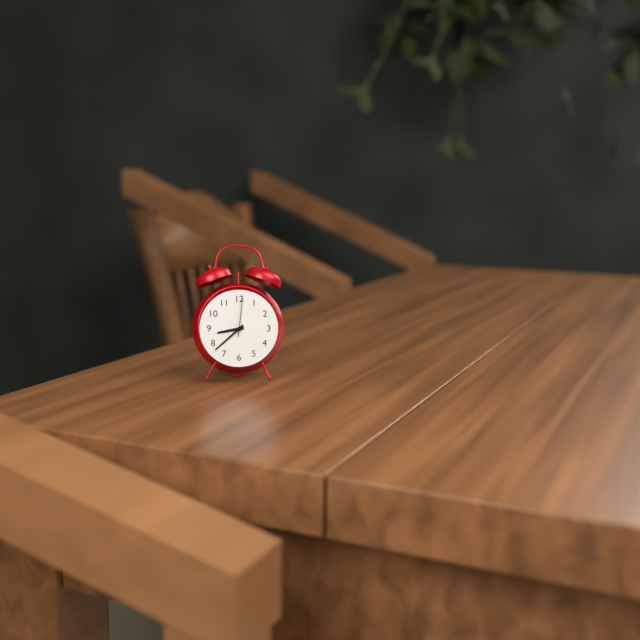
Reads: 8:38
